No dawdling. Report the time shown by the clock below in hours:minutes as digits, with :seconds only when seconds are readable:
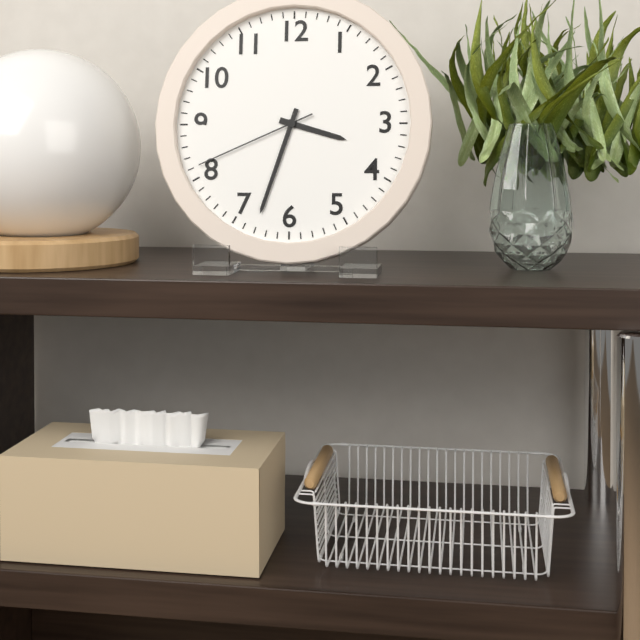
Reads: 3:33:41
